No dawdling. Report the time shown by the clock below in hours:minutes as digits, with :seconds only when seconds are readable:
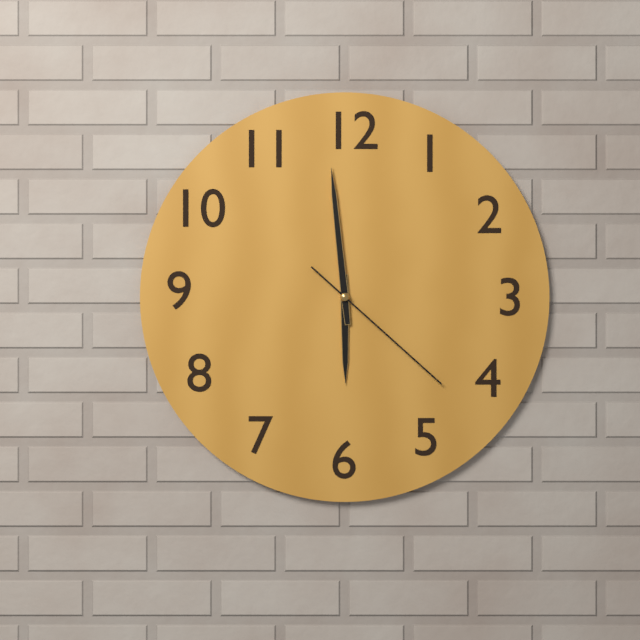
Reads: 5:59:22
